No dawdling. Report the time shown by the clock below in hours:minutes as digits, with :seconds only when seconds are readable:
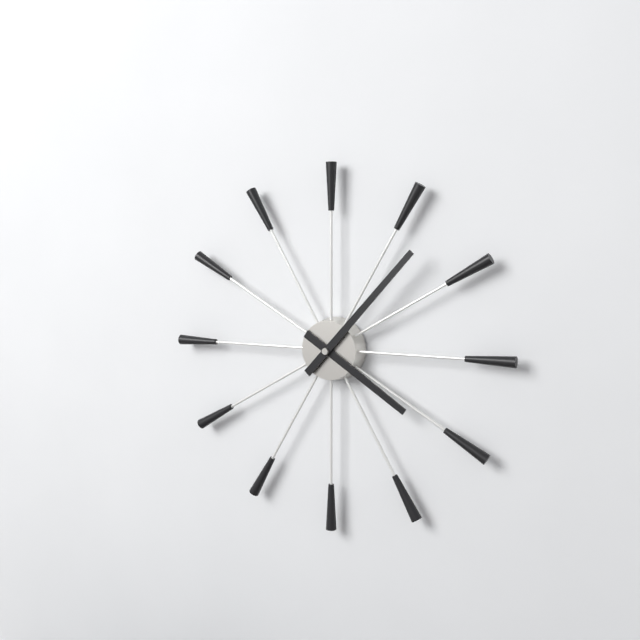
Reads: 4:07
